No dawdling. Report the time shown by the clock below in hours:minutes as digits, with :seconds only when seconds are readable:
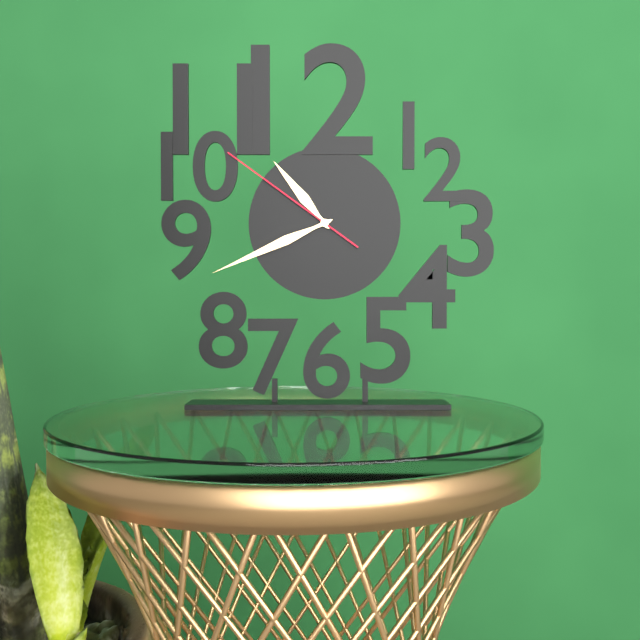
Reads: 10:41:51
